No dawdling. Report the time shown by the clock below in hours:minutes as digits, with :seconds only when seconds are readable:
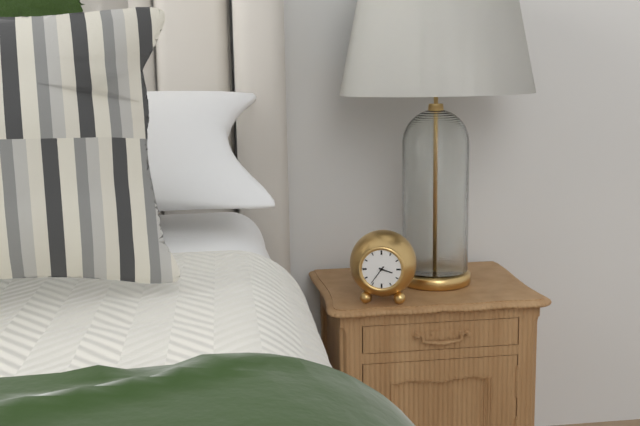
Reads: 3:36
